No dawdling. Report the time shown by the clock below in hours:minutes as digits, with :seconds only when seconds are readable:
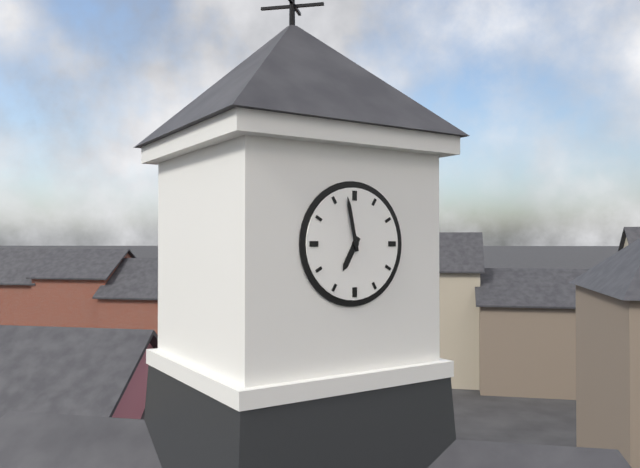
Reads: 6:58
